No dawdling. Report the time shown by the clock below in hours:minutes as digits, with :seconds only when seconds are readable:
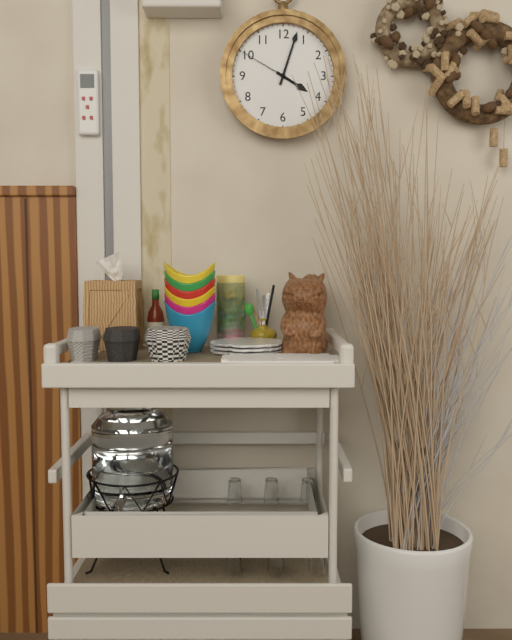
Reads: 4:03:50
